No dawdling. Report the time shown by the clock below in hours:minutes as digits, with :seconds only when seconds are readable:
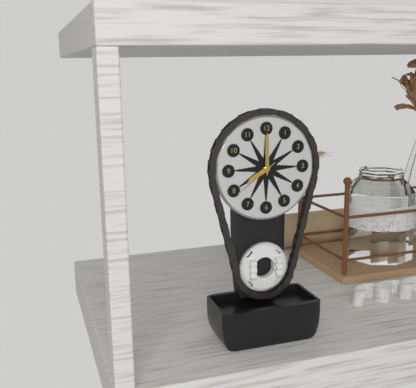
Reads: 8:00
